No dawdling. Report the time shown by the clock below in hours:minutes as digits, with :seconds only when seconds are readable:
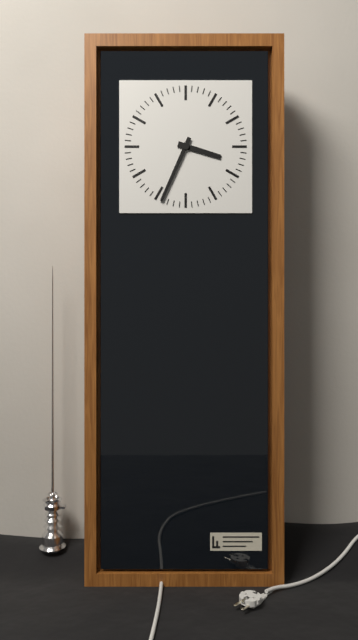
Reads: 3:34
